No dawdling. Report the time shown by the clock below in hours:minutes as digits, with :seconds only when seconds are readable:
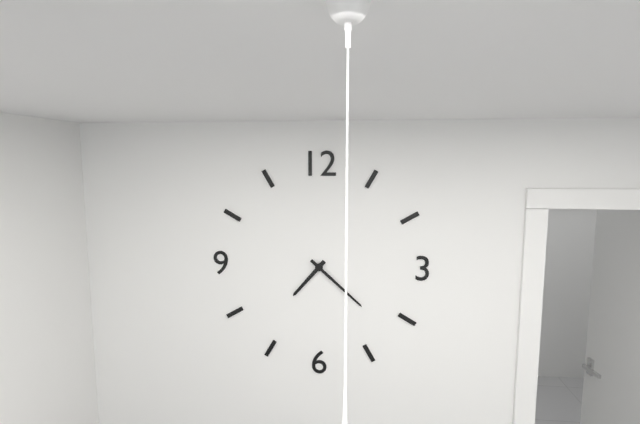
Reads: 7:22
